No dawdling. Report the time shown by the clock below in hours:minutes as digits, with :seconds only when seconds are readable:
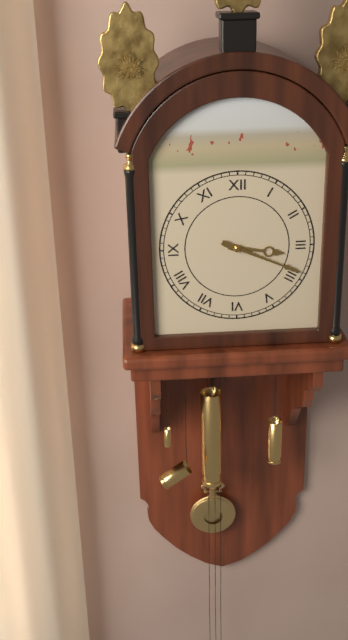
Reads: 3:19
